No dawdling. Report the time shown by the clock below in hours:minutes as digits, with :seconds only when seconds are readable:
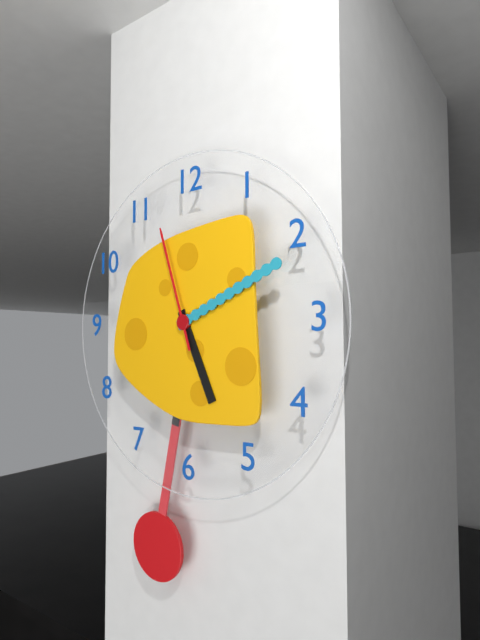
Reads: 5:11:57
